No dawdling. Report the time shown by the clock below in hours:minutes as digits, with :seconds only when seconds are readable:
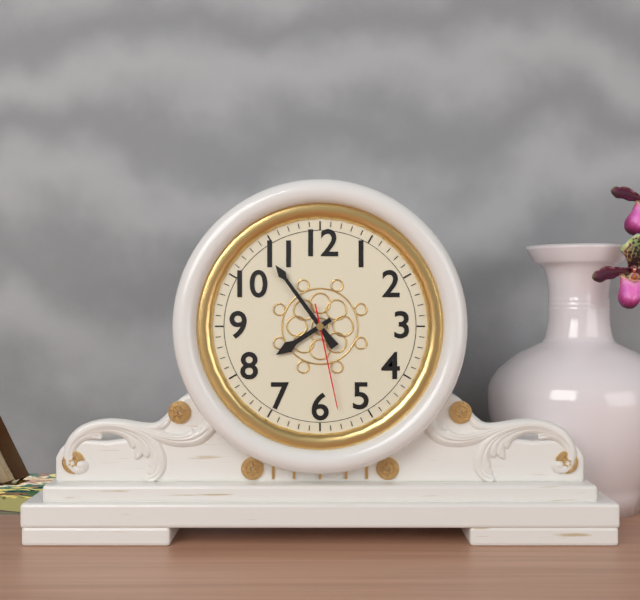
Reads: 7:54:28
